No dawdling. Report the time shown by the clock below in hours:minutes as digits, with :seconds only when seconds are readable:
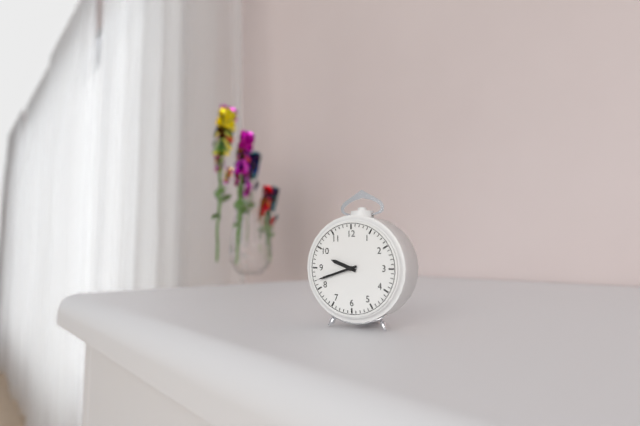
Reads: 9:42
